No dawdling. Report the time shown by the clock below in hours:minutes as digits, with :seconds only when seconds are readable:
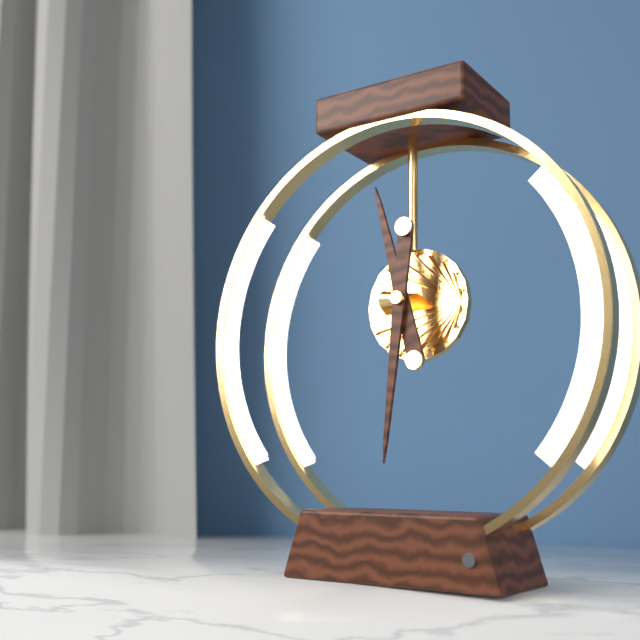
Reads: 11:31
